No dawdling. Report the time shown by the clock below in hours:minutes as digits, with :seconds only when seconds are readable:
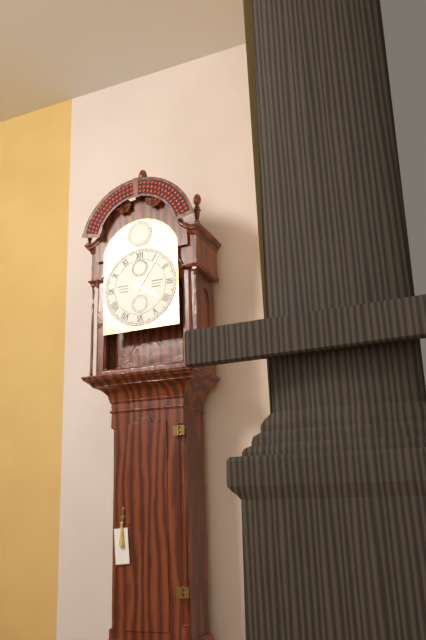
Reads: 4:06
